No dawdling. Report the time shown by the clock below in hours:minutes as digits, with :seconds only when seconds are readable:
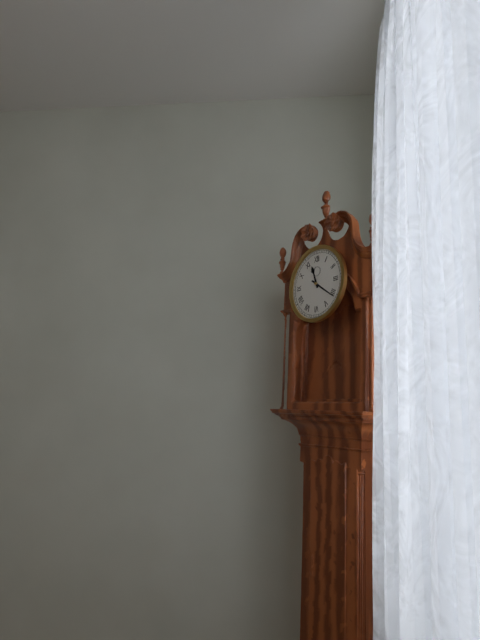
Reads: 11:21
